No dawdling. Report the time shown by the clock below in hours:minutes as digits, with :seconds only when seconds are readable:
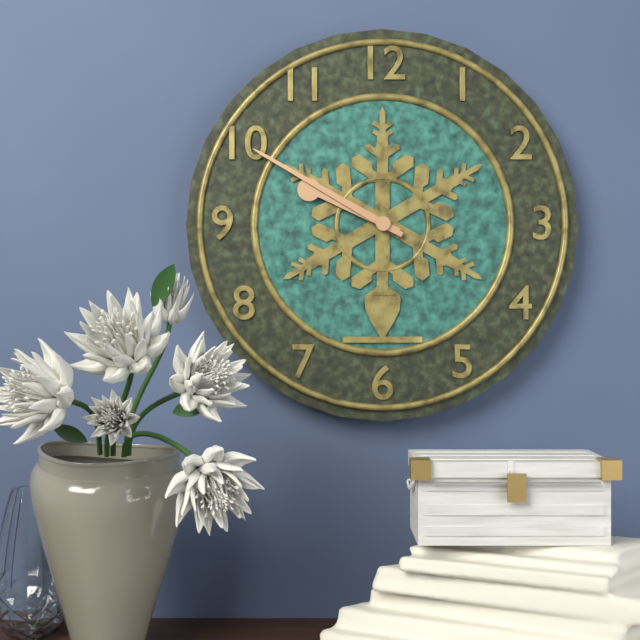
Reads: 9:50
